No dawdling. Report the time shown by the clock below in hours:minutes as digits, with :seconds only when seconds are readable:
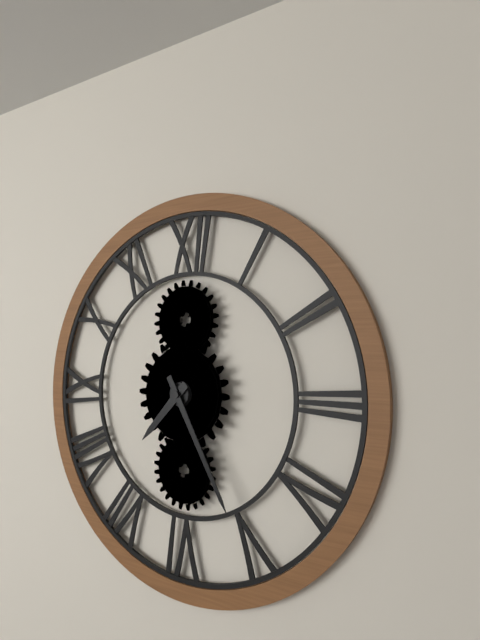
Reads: 7:25
